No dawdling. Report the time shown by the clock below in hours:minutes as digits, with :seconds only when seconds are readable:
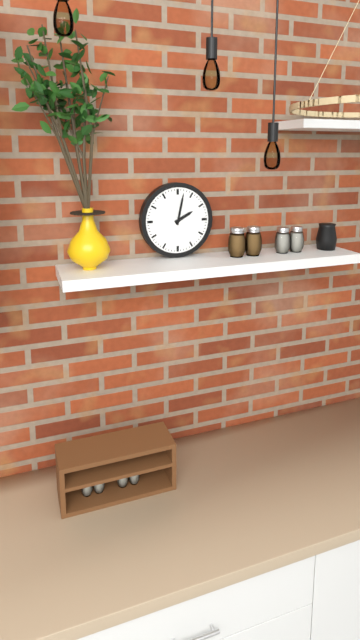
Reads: 2:02
